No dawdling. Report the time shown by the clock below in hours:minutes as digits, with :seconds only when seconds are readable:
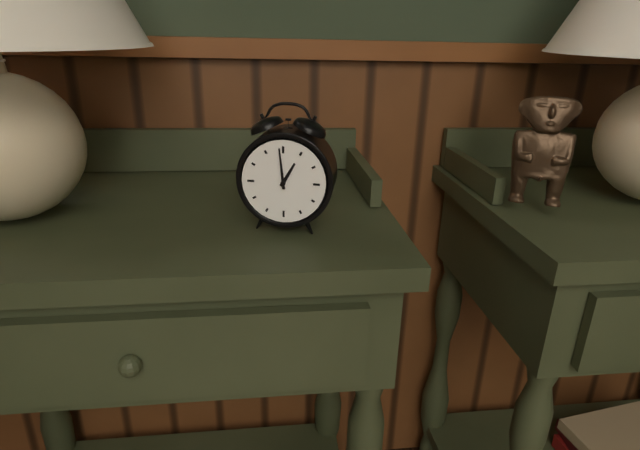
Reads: 12:59
